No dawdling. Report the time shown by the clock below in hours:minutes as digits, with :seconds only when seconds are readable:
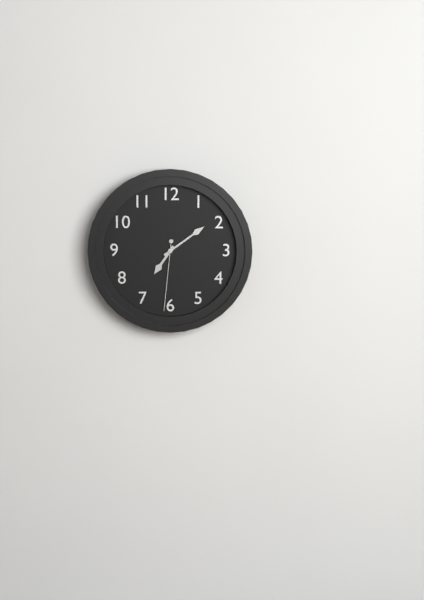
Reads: 7:09:31
